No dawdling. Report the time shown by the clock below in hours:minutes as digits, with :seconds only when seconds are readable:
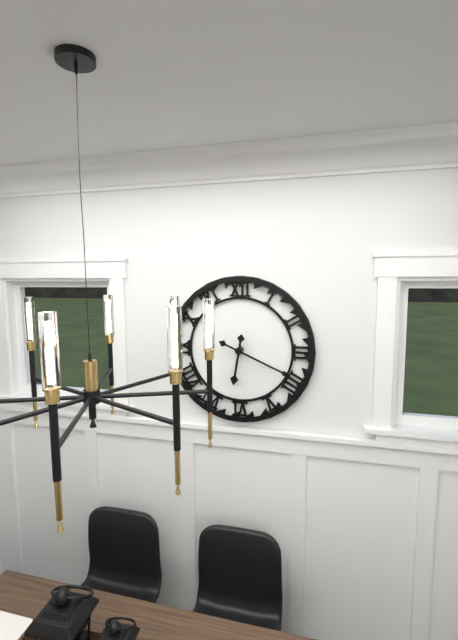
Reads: 6:19
